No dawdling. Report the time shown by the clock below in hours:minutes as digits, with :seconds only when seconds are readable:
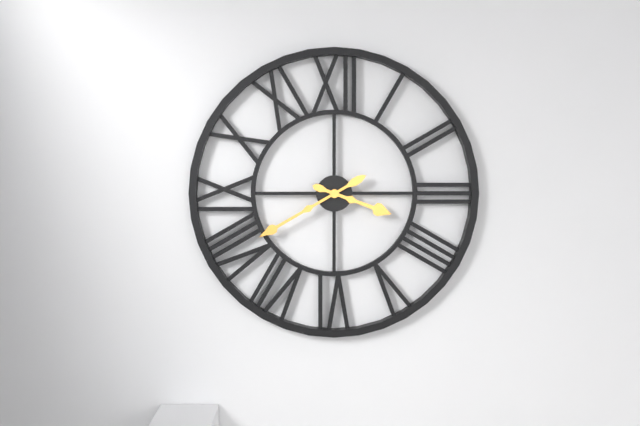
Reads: 3:40
